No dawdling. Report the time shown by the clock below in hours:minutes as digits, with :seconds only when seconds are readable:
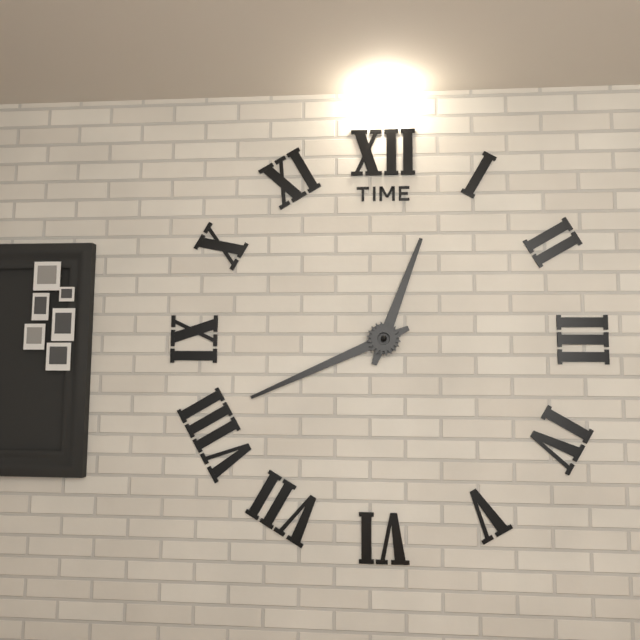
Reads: 12:41
